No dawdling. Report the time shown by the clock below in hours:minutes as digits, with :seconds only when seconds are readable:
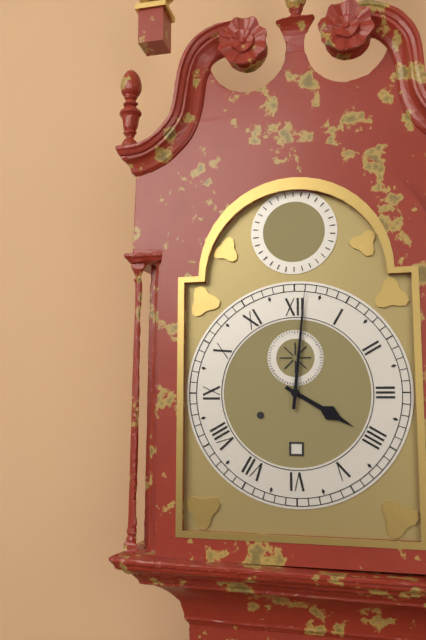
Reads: 4:01
